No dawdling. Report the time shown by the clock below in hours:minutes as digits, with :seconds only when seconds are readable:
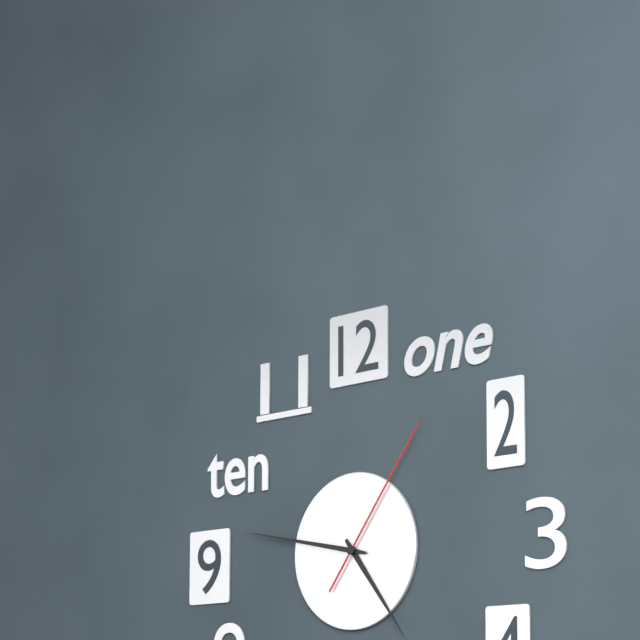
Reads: 4:47:06
